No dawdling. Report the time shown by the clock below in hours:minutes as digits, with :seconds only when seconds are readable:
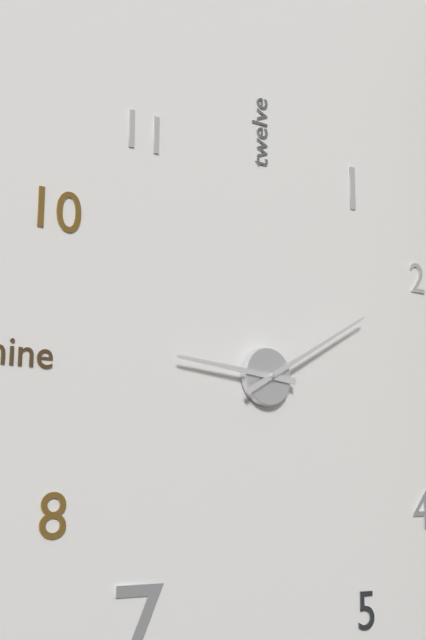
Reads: 9:10
